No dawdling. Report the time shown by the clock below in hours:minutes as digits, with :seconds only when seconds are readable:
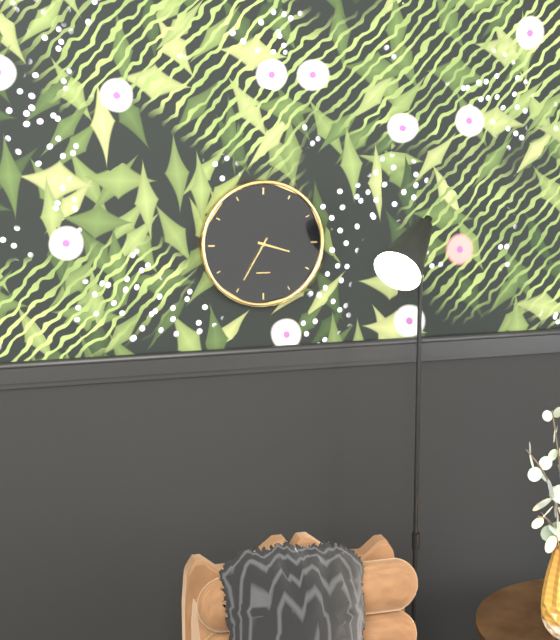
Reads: 3:35
